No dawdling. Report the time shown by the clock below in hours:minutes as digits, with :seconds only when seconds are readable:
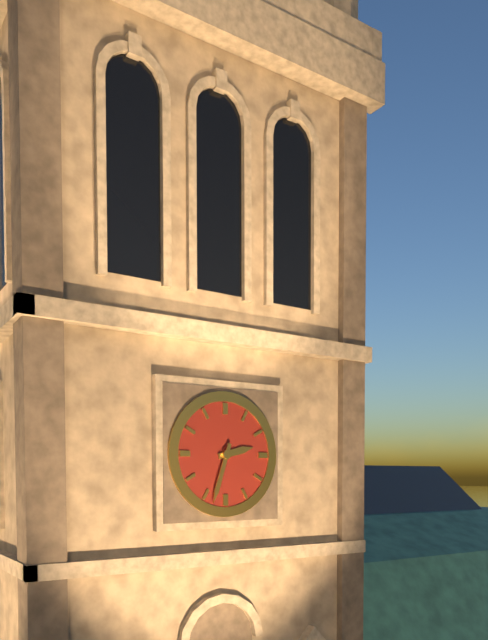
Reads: 2:33
